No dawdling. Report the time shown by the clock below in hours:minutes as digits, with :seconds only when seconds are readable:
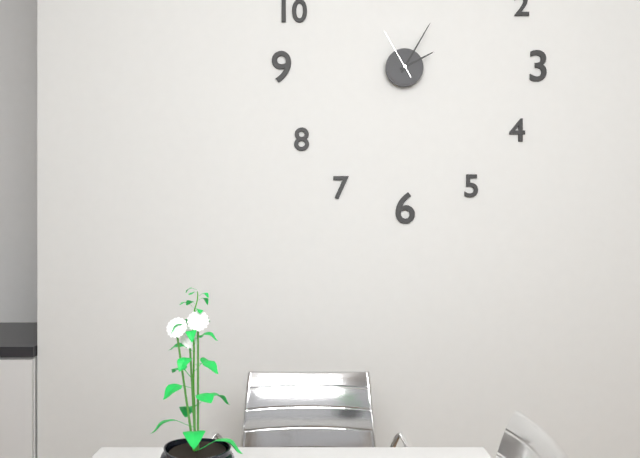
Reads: 2:05:55
